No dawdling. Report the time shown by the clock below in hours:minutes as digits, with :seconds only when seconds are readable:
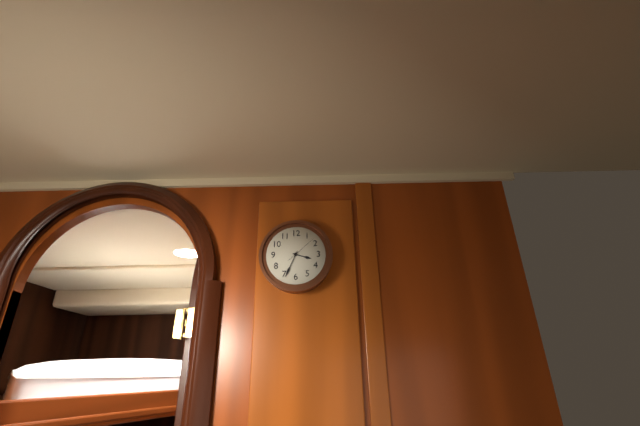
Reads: 3:34
